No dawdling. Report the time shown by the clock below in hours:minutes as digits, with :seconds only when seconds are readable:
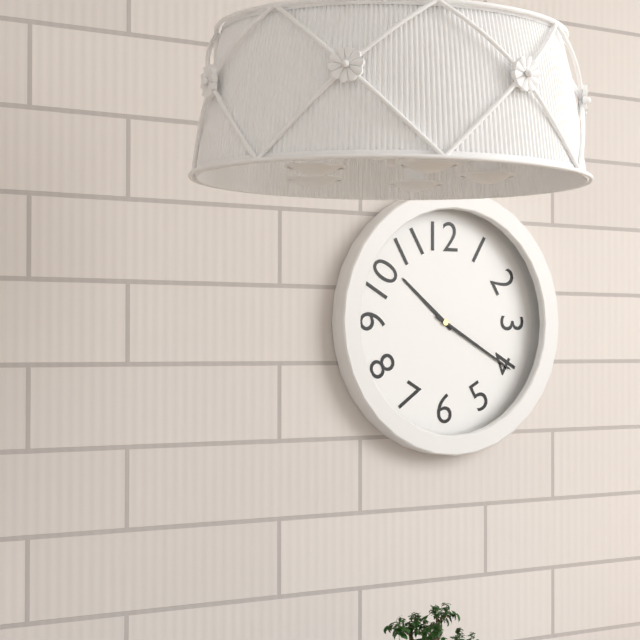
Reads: 10:20
